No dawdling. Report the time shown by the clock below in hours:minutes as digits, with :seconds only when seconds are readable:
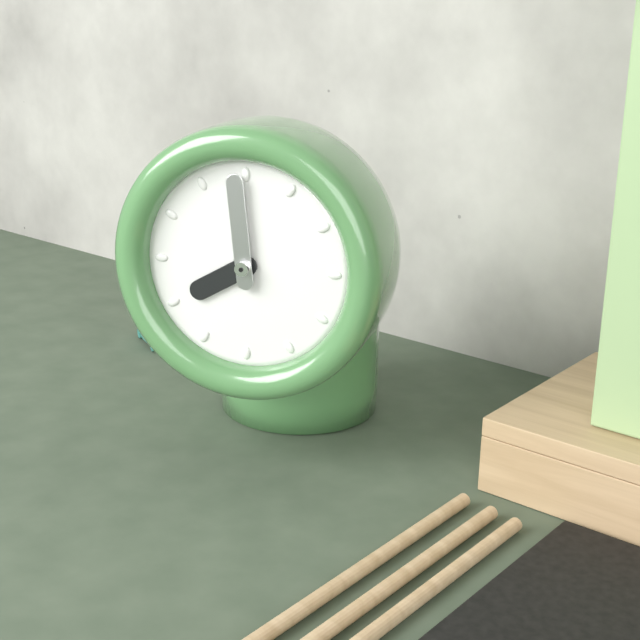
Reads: 7:59
